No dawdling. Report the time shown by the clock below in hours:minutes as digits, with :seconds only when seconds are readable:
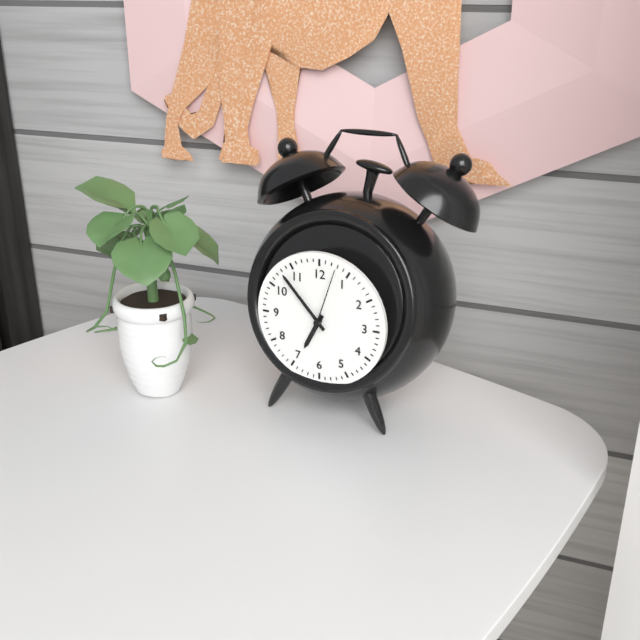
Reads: 6:53:03
